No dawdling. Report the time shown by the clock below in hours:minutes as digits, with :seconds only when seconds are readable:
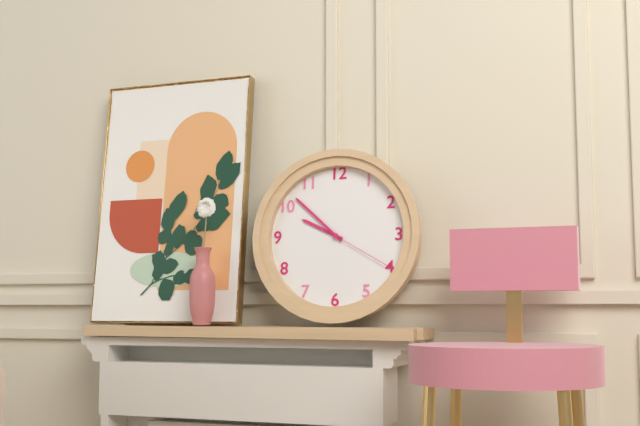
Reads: 9:52:20
